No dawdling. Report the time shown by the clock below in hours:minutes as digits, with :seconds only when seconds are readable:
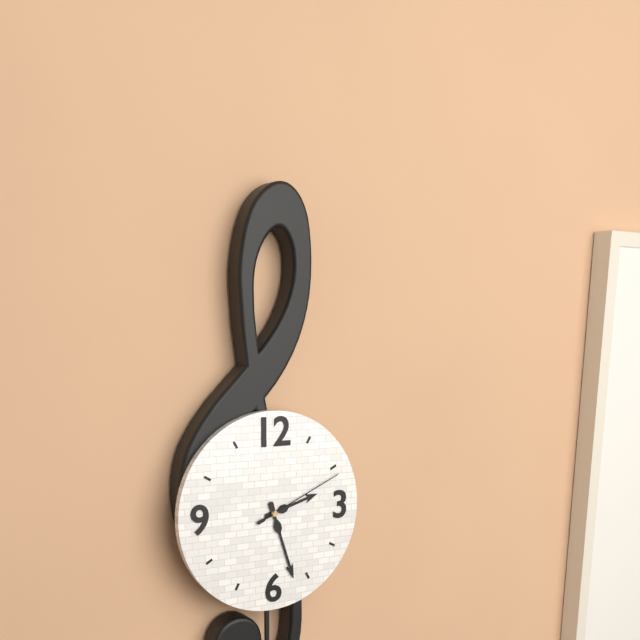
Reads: 2:27:11
